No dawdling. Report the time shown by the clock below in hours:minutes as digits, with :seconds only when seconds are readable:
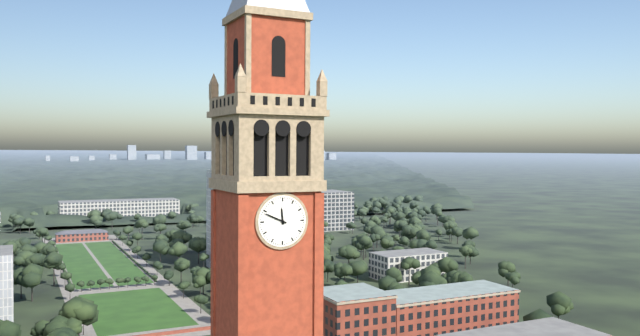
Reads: 11:49
